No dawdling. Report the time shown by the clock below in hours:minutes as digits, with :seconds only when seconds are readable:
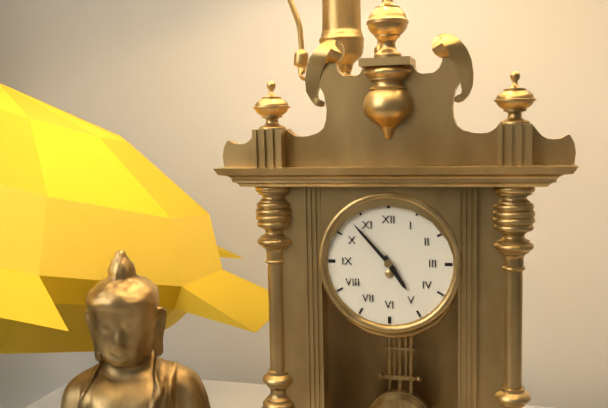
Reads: 4:53
